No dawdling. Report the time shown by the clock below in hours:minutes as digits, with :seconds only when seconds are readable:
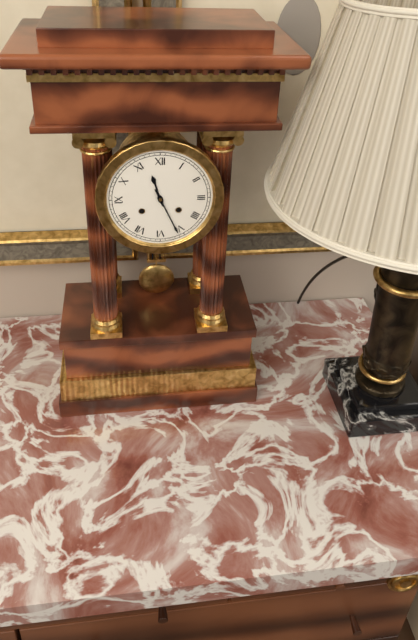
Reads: 11:26
